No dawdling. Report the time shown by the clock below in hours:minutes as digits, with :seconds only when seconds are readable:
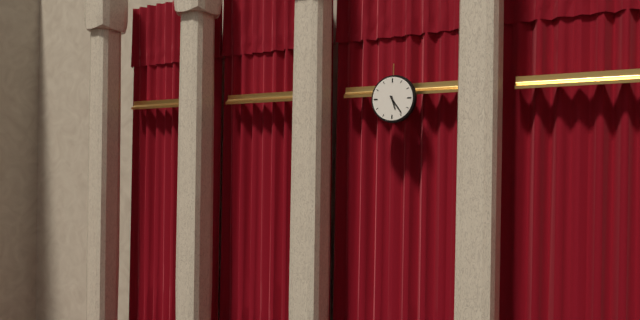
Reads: 5:24
